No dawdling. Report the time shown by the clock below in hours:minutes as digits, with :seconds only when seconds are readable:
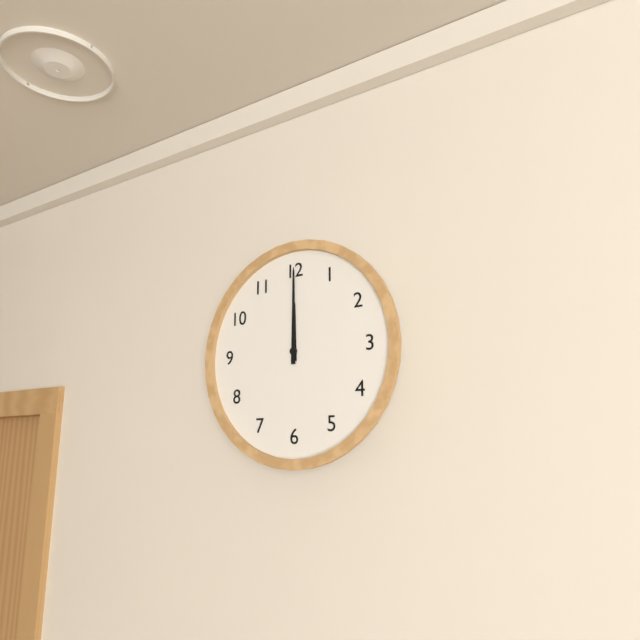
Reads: 12:00
